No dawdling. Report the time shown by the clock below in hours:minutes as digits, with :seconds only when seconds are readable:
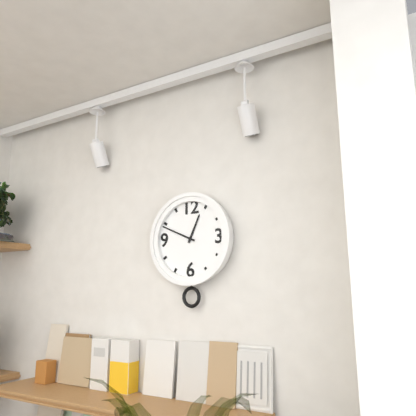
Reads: 12:49
